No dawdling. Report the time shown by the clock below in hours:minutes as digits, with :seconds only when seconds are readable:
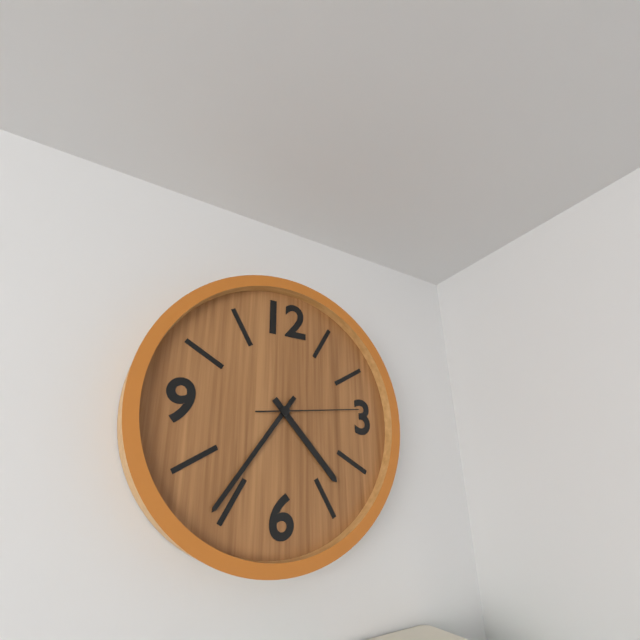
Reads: 4:36:14
